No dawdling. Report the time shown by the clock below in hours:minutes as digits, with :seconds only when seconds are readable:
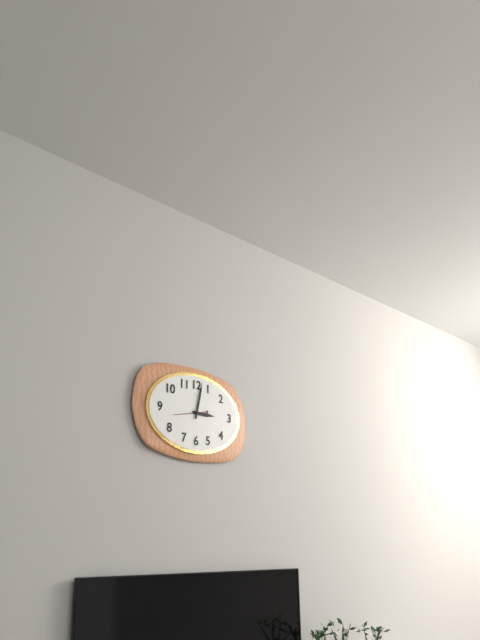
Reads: 3:02
